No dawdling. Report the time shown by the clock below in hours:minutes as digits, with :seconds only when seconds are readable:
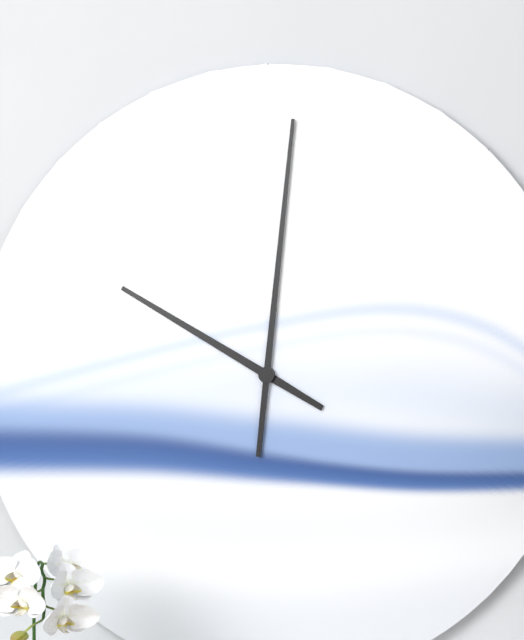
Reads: 10:01
